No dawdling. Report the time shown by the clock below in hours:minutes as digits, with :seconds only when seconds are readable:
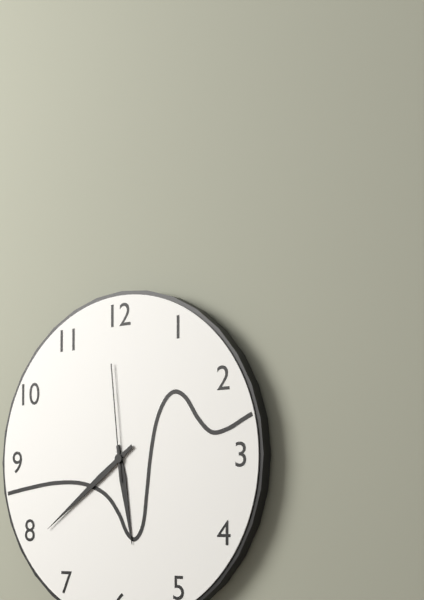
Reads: 5:39:59
